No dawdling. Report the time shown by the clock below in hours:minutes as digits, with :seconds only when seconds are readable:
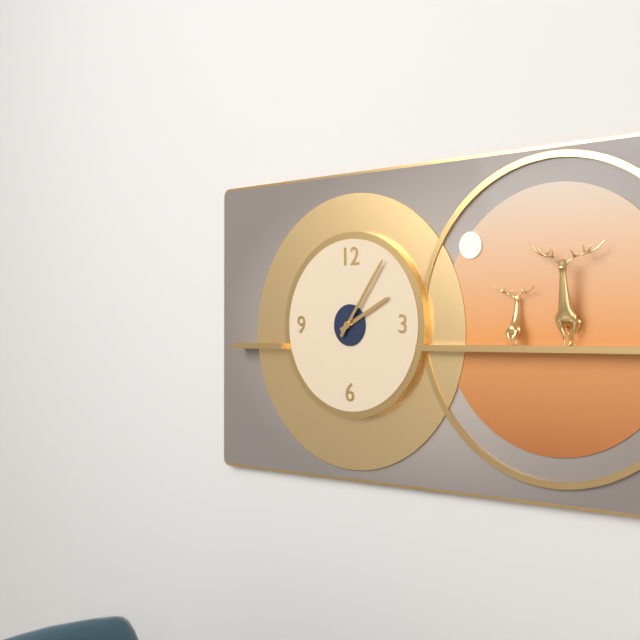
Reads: 2:06
